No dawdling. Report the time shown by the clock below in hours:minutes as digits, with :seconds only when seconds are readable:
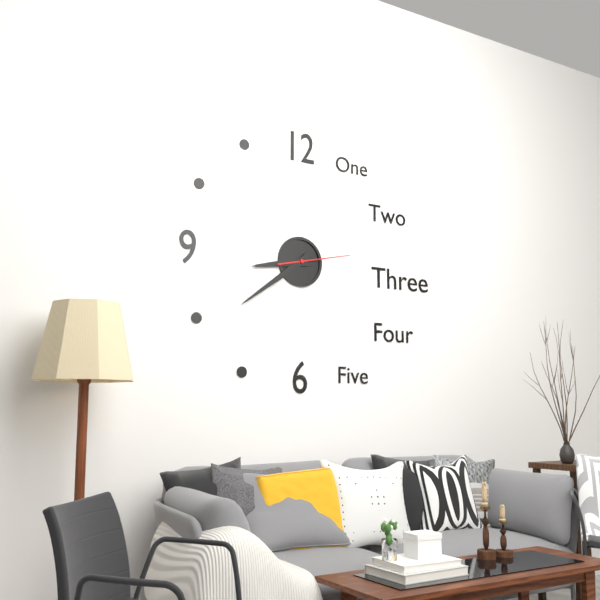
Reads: 8:39:13
